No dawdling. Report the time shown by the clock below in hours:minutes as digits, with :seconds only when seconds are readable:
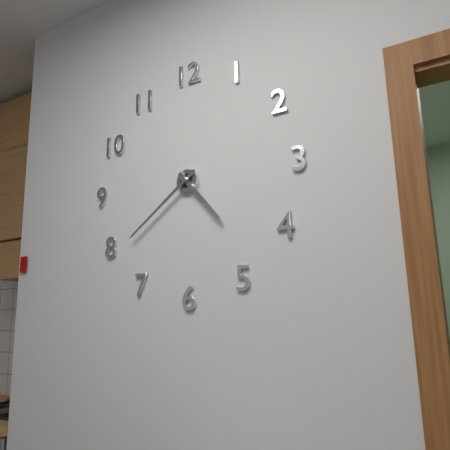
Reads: 4:39
